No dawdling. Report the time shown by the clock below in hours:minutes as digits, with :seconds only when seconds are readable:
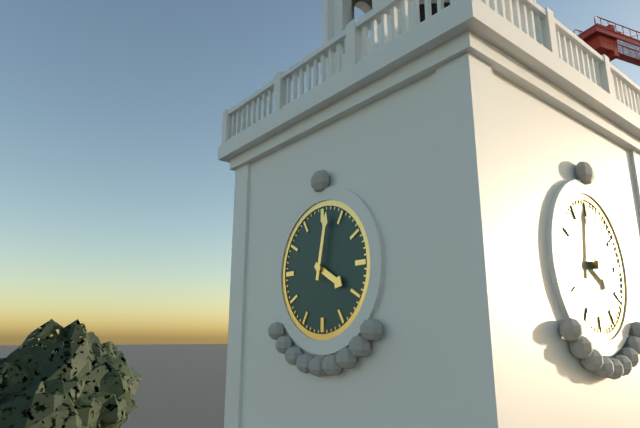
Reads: 4:02
